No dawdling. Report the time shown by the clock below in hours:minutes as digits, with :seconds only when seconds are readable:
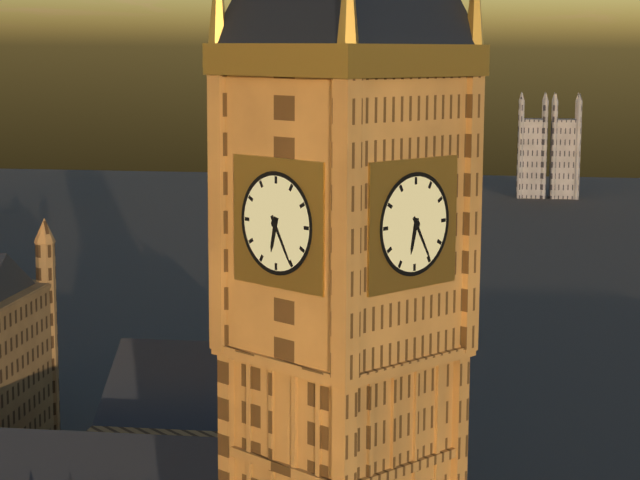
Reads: 6:25
